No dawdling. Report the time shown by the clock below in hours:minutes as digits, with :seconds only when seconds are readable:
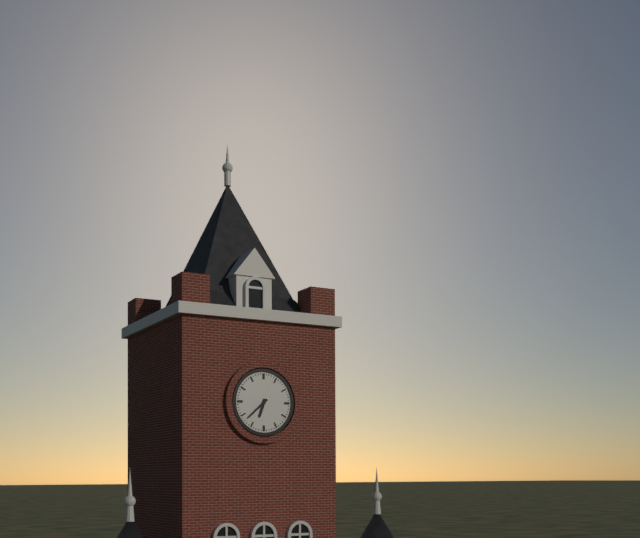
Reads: 6:38
